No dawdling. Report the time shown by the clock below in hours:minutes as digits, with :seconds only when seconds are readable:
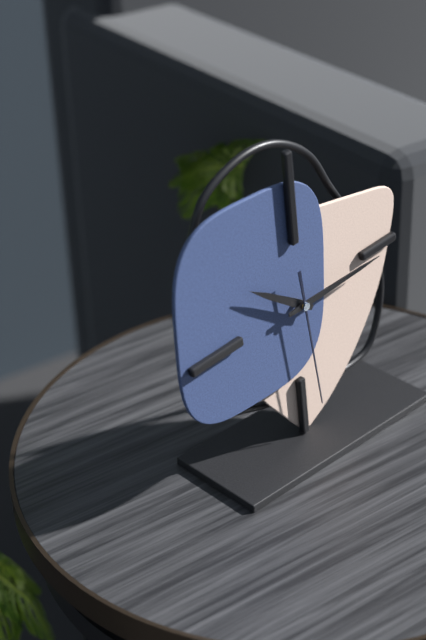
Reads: 10:15:29
